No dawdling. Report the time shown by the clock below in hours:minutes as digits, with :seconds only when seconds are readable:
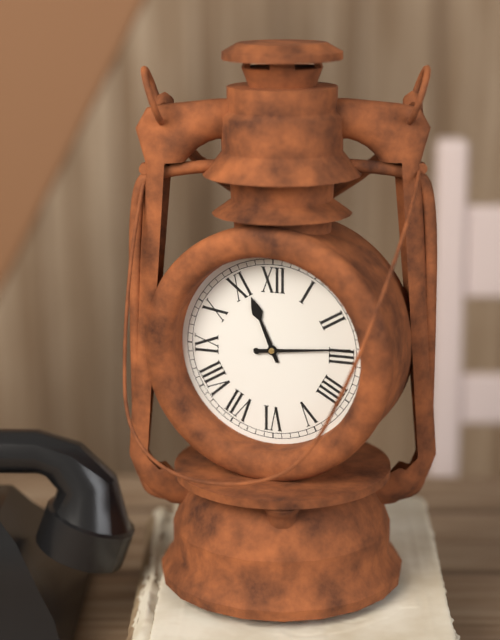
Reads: 11:14
